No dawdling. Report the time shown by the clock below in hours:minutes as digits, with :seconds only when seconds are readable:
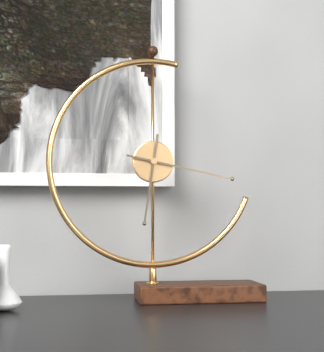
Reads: 6:17
